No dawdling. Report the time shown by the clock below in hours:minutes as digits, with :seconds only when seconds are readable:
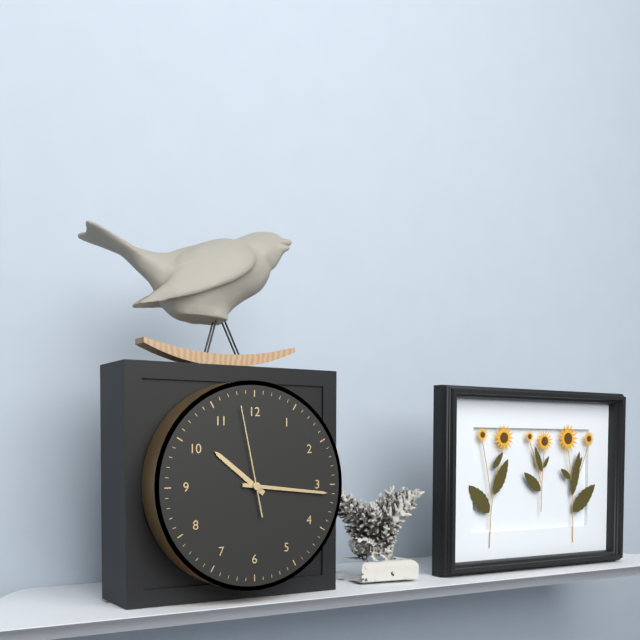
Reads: 10:16:58
